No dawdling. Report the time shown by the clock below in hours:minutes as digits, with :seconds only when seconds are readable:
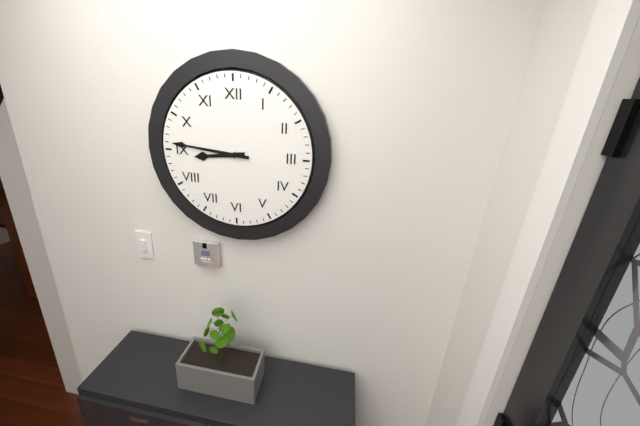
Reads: 8:46
